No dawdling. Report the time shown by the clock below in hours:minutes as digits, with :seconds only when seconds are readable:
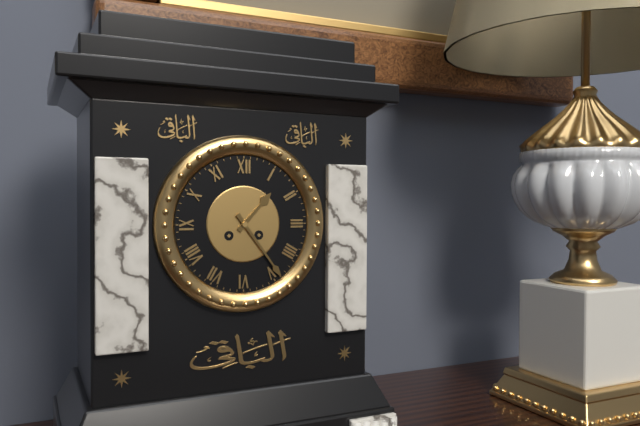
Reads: 1:24
